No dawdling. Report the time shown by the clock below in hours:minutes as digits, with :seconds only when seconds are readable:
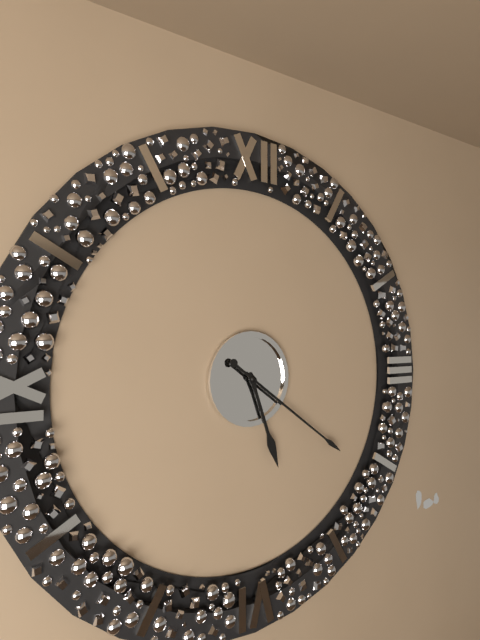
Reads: 5:21
